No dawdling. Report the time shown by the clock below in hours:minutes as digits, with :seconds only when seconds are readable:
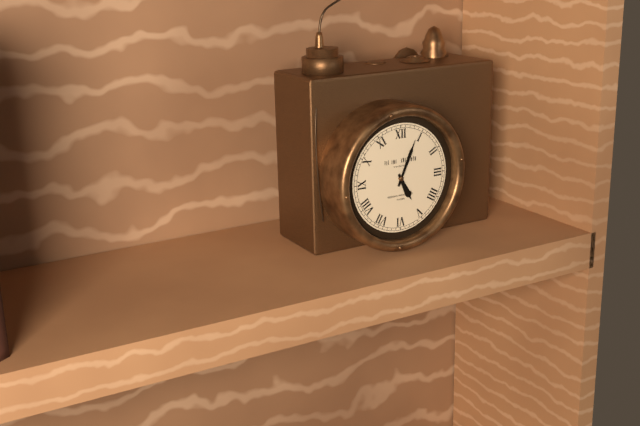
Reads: 5:04
